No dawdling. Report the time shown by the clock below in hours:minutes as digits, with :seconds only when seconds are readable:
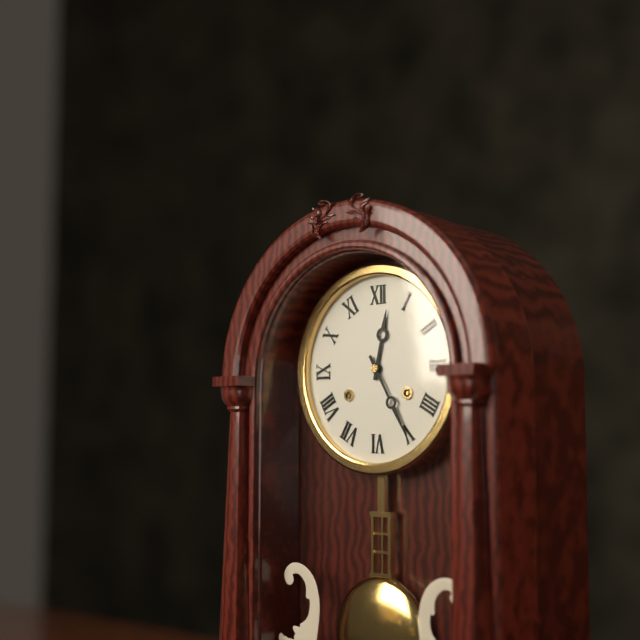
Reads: 12:25
